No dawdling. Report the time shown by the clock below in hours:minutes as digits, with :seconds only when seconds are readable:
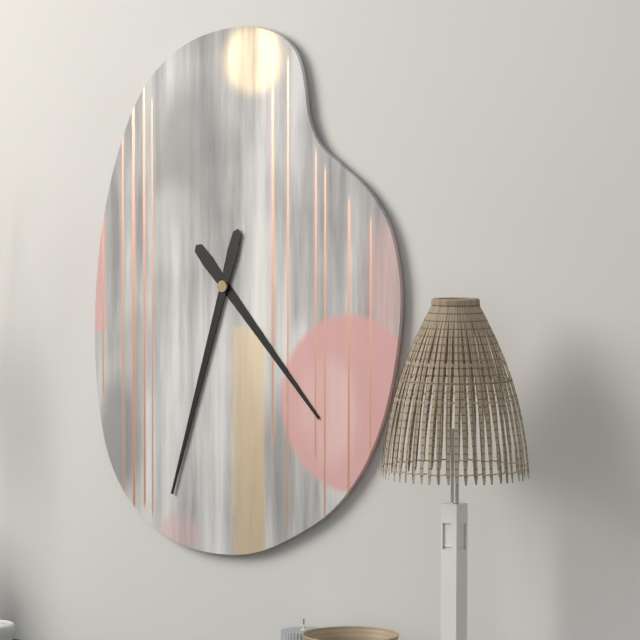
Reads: 4:33
